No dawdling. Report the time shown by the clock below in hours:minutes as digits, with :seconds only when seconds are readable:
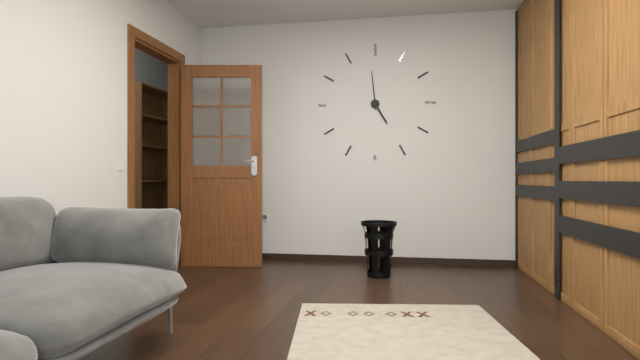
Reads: 4:59
